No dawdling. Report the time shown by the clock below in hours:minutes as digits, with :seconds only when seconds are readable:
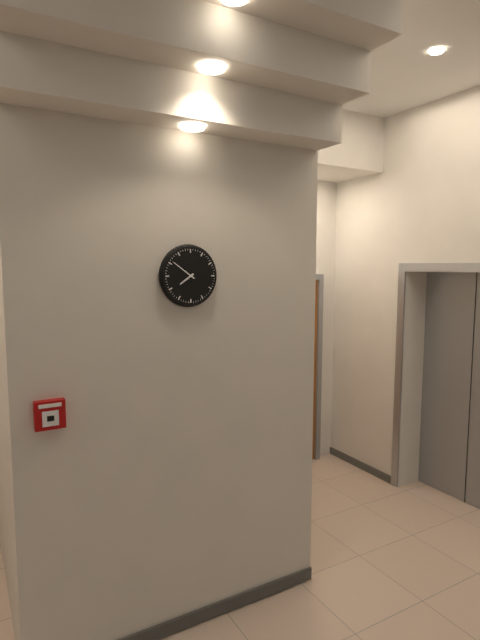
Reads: 7:51
